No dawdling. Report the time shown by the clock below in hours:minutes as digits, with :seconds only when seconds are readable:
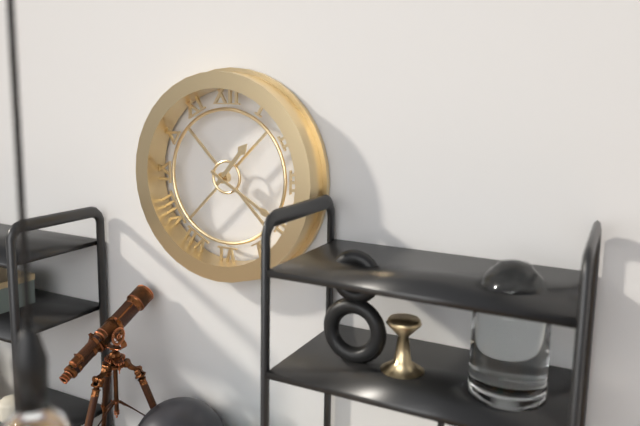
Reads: 1:20
